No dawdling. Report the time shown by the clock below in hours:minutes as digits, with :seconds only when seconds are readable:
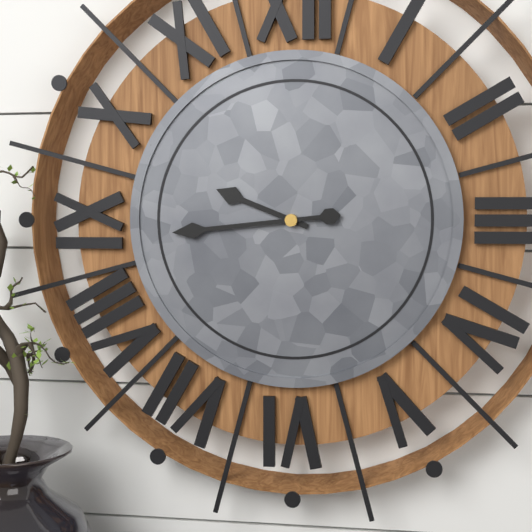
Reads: 9:44
